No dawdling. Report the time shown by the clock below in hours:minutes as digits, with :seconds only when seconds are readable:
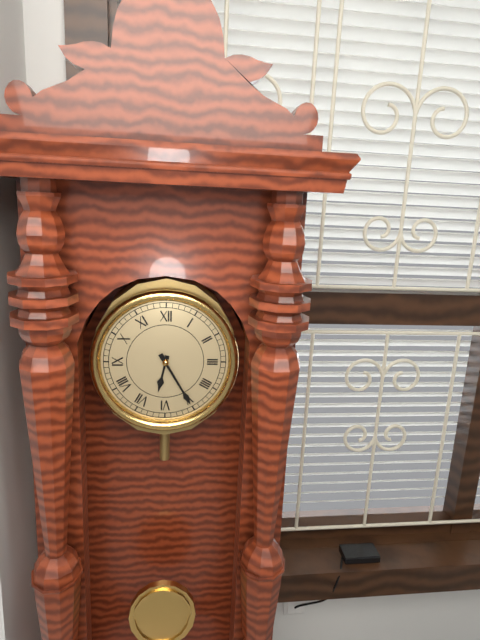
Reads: 6:25
